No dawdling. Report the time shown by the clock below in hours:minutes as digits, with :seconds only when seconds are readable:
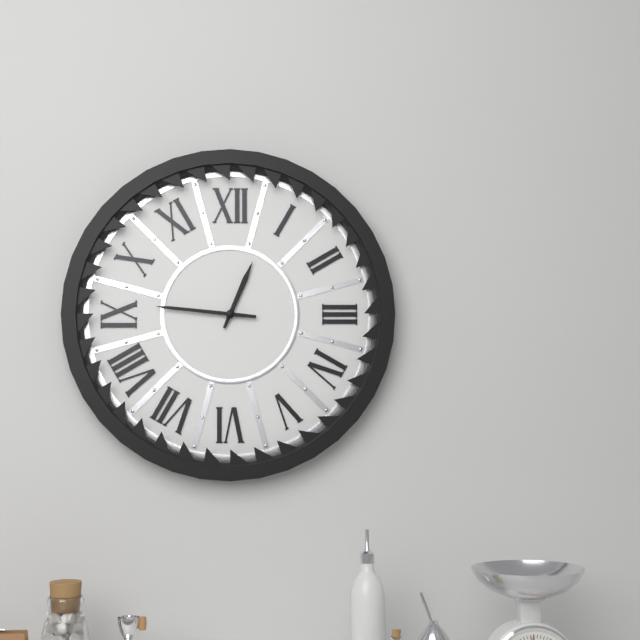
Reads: 12:46
